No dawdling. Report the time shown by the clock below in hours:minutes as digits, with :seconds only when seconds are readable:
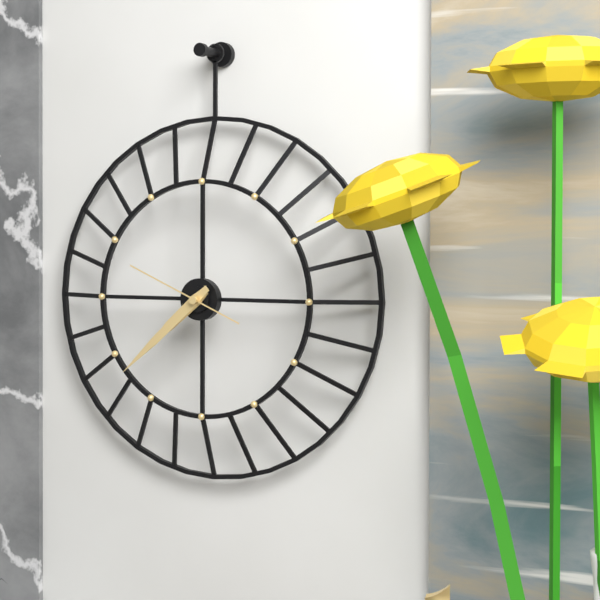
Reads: 7:38:49
